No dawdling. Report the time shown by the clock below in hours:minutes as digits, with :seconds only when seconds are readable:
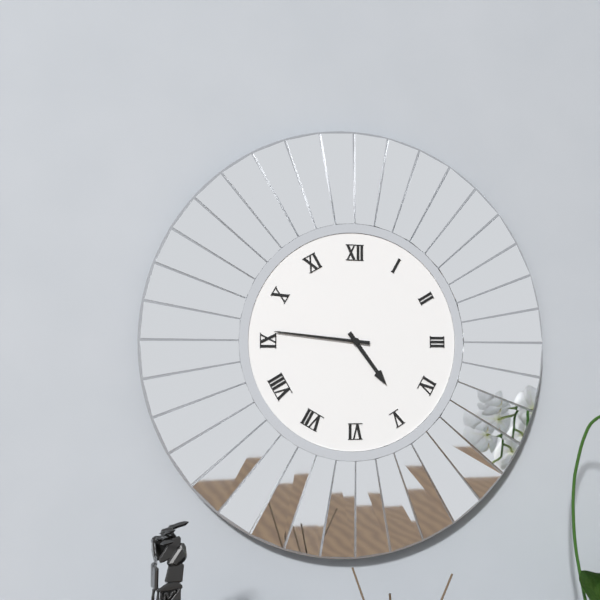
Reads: 4:46
